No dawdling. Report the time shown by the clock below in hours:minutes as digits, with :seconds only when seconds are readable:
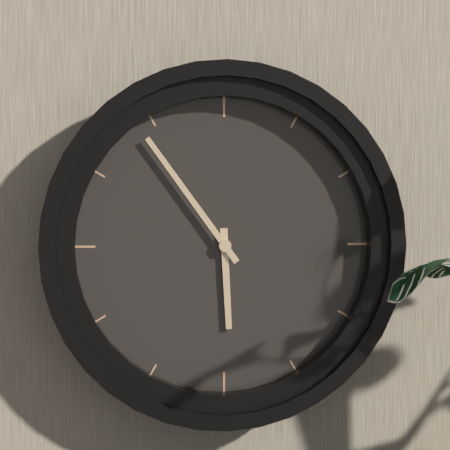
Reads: 5:54
